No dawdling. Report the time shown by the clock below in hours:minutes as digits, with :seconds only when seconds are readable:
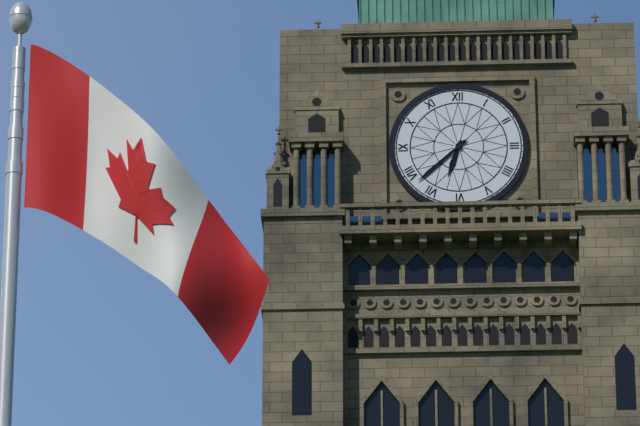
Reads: 6:38
